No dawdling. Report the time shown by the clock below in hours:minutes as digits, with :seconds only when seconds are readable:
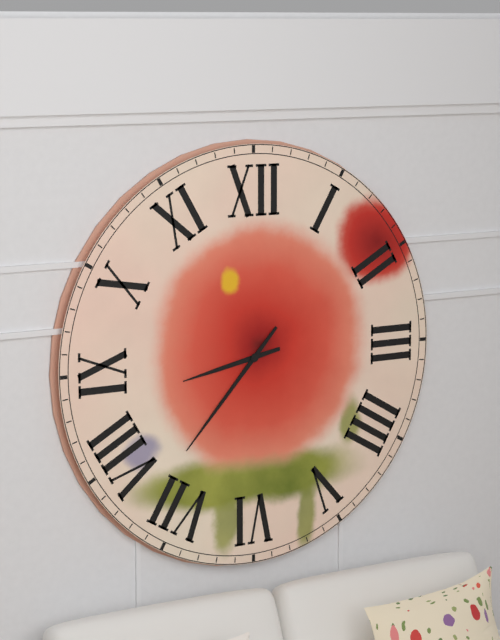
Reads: 8:37
